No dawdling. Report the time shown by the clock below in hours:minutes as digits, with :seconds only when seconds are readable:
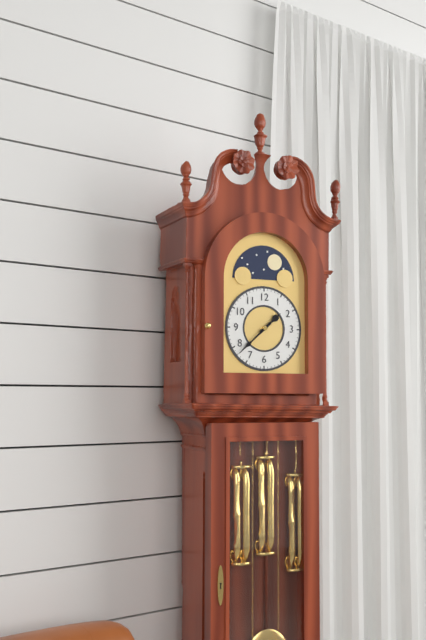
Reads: 1:38
